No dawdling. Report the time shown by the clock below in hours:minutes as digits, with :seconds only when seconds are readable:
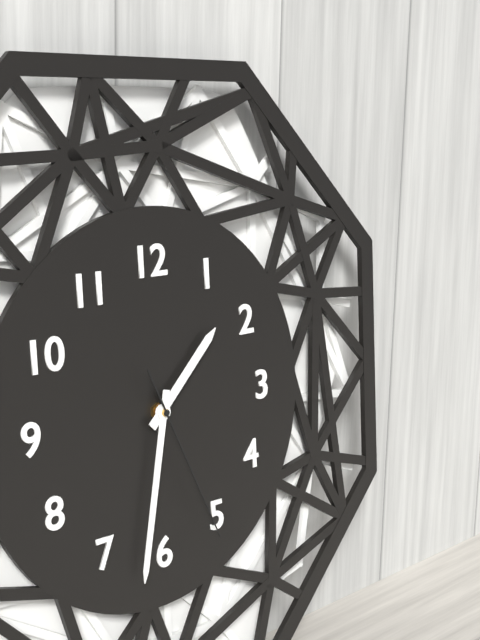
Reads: 1:32:26
